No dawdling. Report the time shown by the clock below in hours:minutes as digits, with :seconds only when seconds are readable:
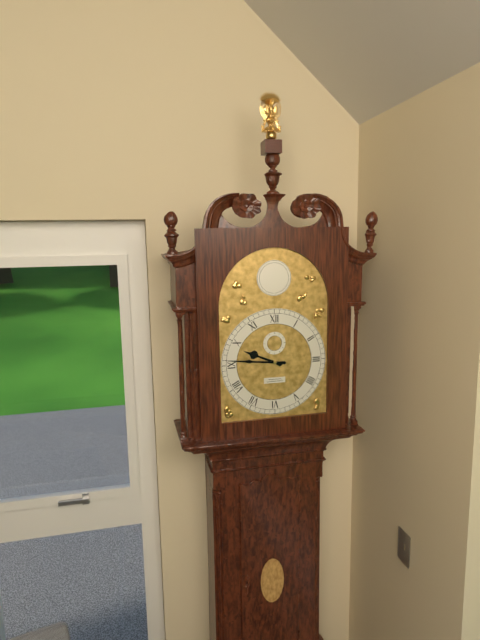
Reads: 9:46
